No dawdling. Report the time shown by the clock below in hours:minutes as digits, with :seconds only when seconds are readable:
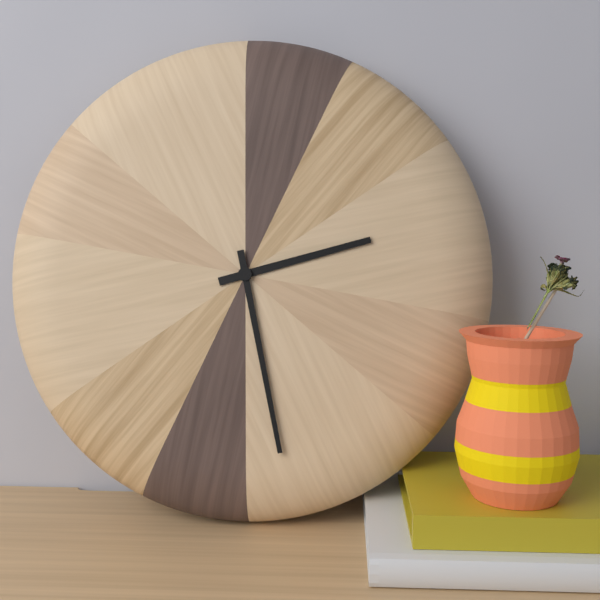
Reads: 2:28
